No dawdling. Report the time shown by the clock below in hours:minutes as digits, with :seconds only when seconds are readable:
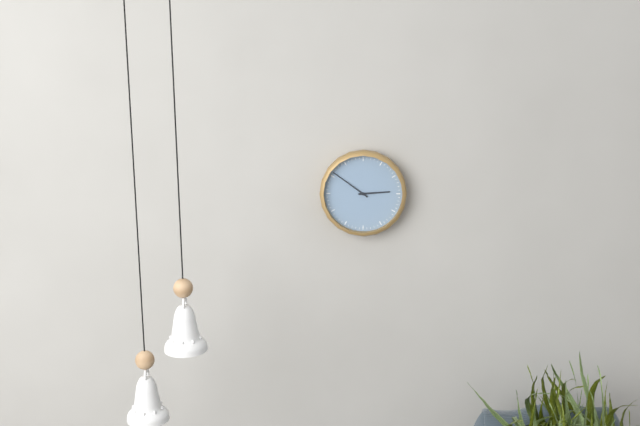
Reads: 2:51
